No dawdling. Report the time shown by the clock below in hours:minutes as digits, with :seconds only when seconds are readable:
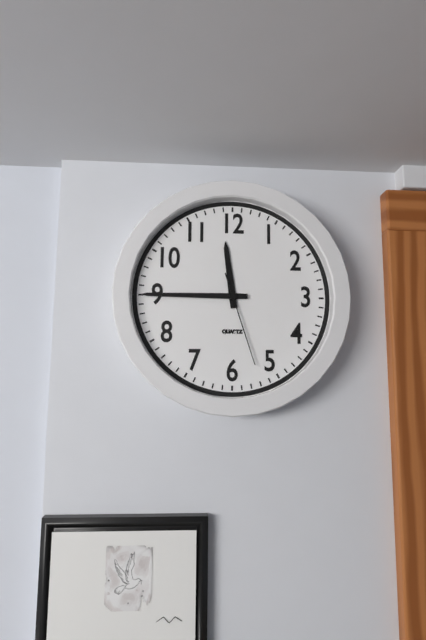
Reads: 11:45:27
